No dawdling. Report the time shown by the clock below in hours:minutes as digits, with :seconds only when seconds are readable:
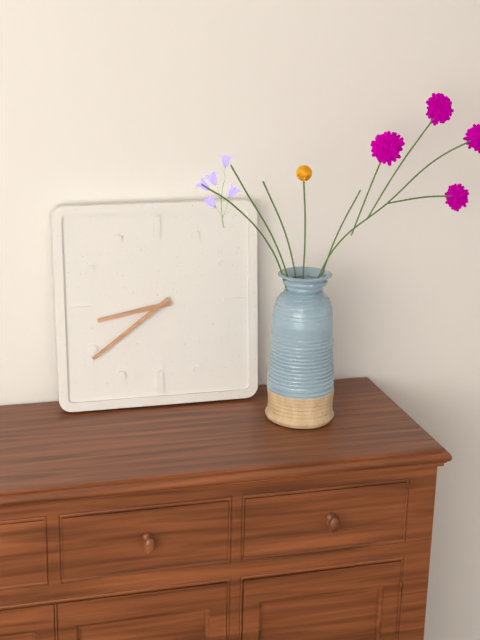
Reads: 8:39
